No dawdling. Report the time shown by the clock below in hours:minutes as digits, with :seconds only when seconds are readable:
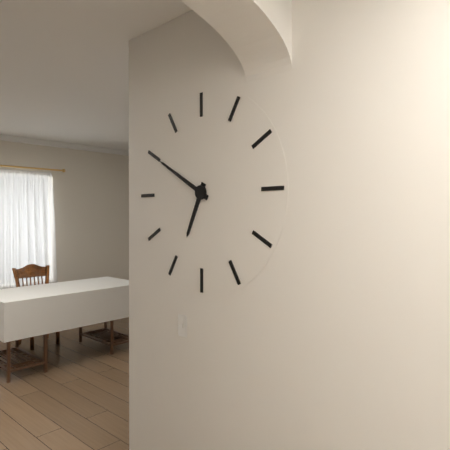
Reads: 6:50
